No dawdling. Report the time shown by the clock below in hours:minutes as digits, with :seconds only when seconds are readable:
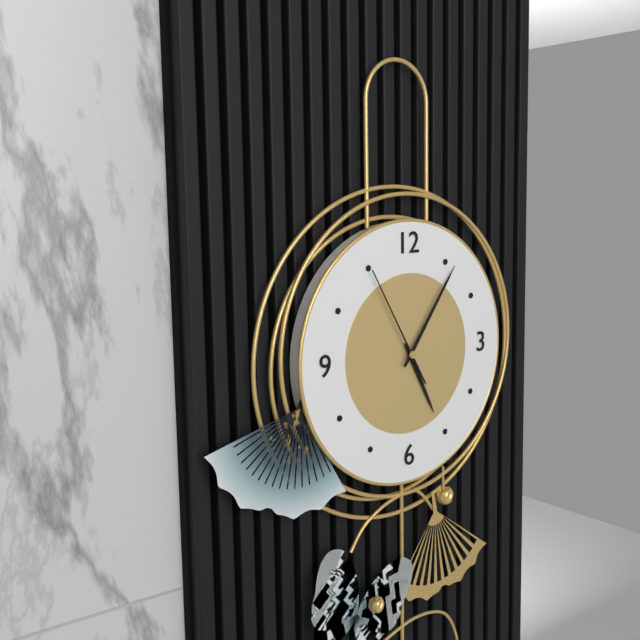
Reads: 5:06:55
